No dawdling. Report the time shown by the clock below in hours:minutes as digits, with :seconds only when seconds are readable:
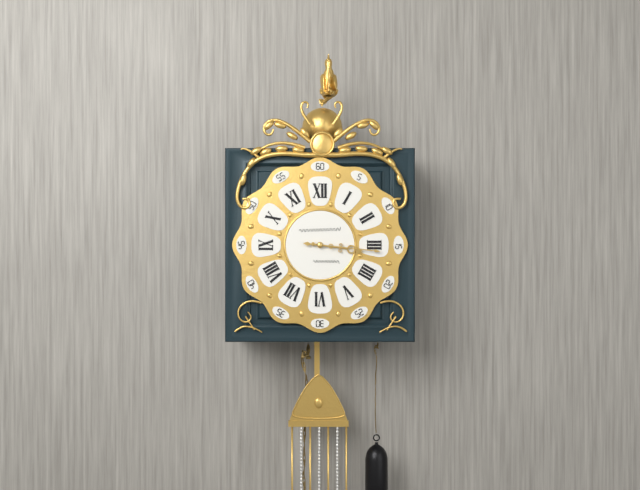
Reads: 3:16
